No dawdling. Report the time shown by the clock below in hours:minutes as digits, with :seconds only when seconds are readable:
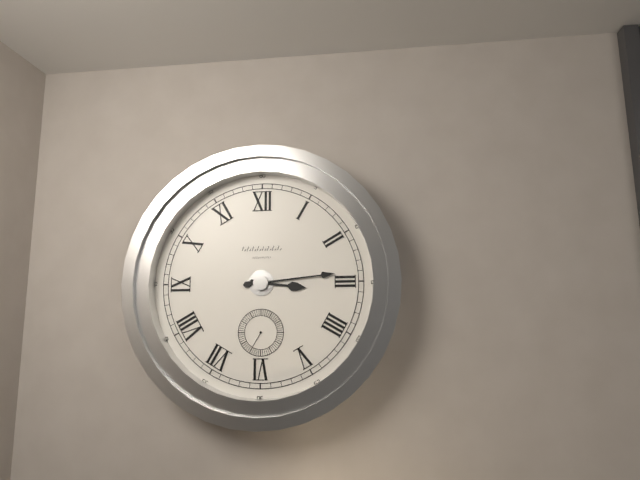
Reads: 3:14
